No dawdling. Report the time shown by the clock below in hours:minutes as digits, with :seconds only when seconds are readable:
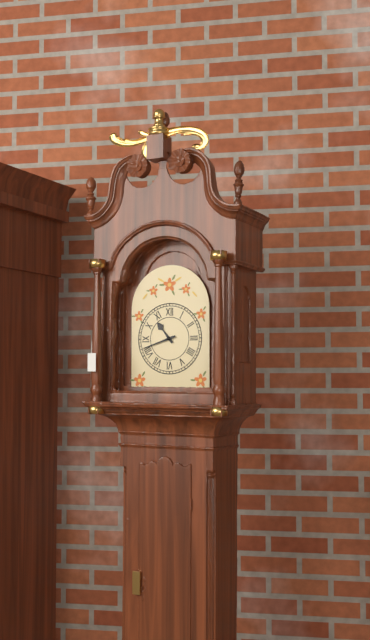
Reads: 10:42
